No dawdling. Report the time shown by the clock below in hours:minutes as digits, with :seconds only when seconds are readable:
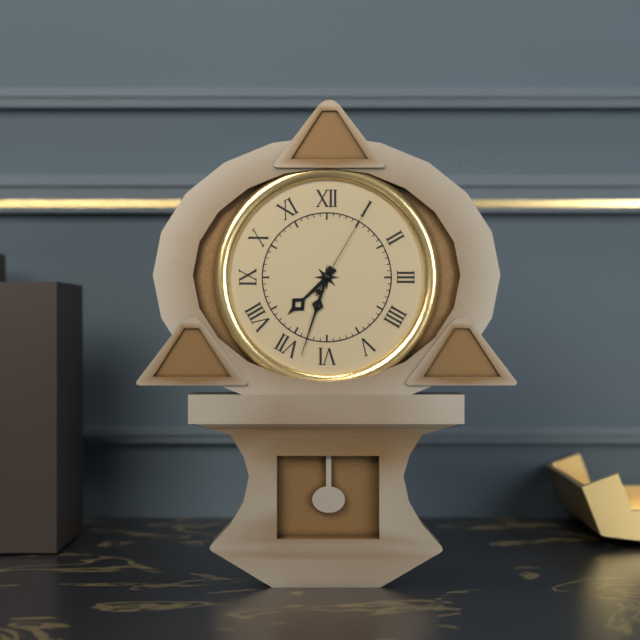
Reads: 7:33:05
